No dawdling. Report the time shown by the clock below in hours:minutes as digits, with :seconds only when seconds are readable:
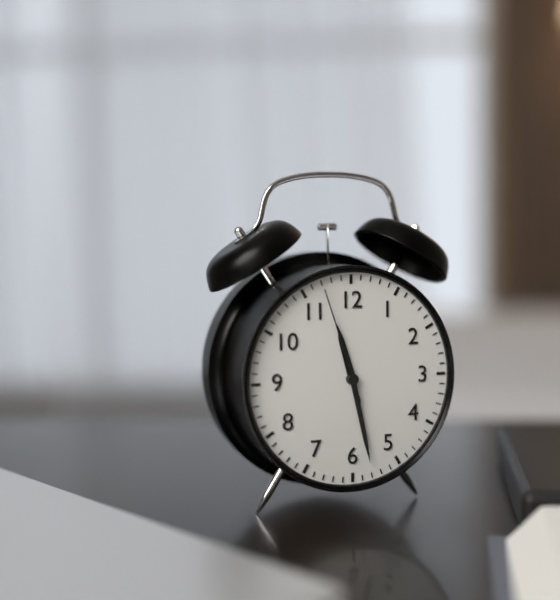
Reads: 11:28:57
